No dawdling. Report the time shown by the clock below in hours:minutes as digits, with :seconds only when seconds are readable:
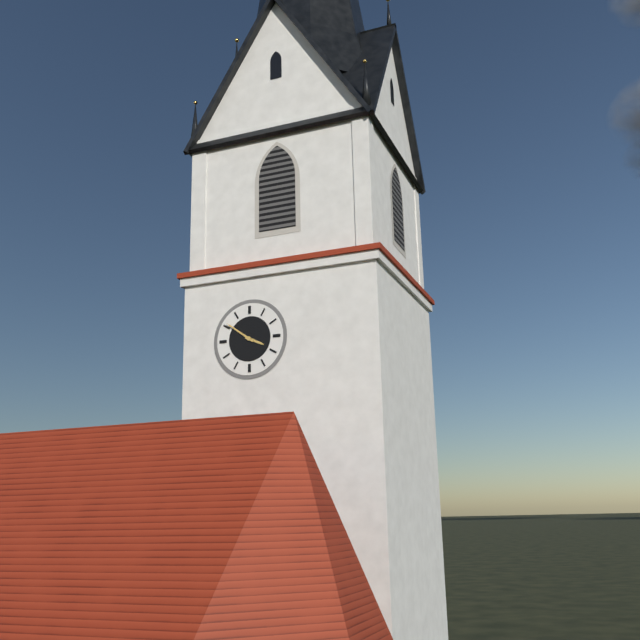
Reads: 3:51
